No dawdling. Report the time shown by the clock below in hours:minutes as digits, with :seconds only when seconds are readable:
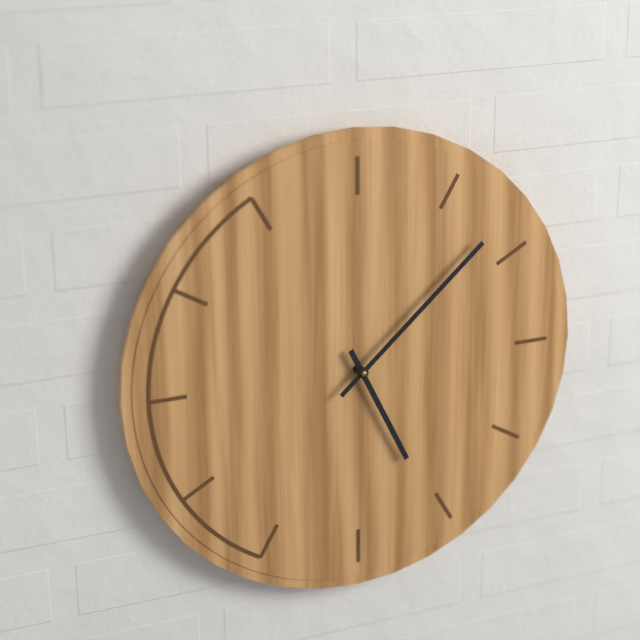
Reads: 5:08
